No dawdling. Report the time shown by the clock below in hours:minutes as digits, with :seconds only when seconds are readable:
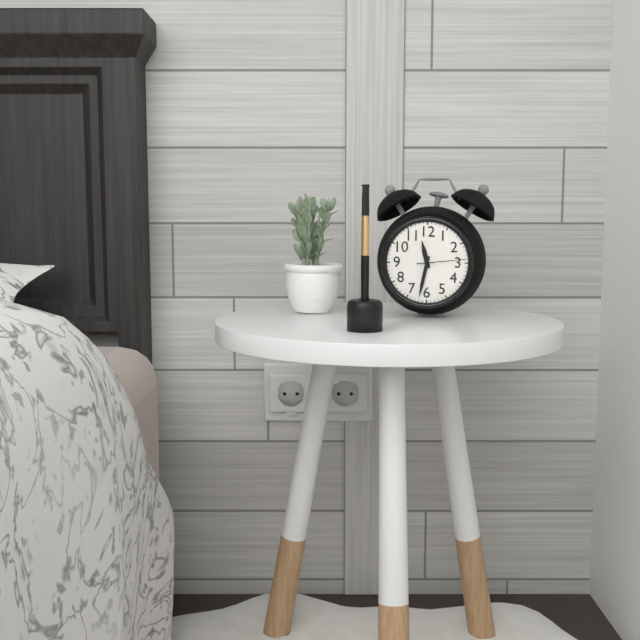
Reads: 11:32
